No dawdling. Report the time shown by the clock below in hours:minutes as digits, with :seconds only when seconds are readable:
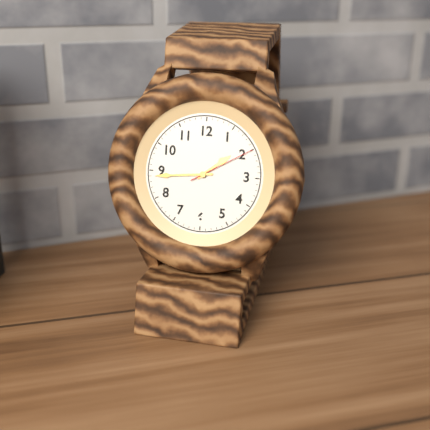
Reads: 1:44:10
